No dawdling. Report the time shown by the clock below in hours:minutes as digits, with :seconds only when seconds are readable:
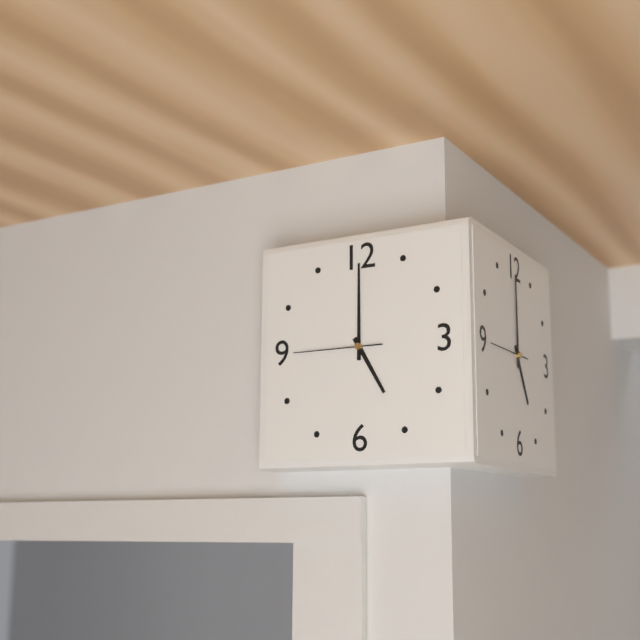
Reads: 5:00:45
